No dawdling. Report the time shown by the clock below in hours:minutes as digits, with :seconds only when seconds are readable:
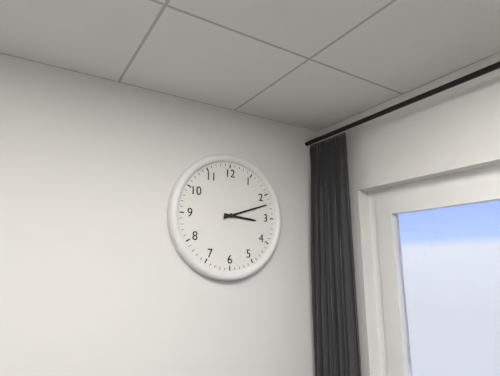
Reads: 3:12
